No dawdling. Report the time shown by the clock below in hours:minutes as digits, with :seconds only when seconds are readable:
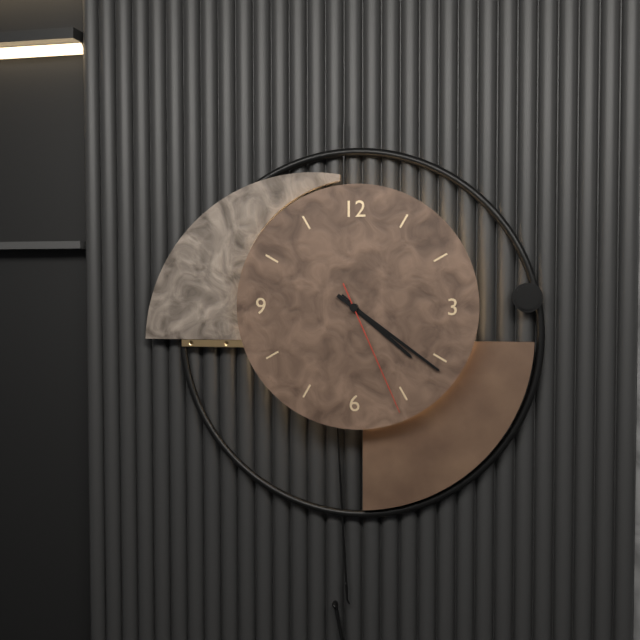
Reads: 4:21:26
